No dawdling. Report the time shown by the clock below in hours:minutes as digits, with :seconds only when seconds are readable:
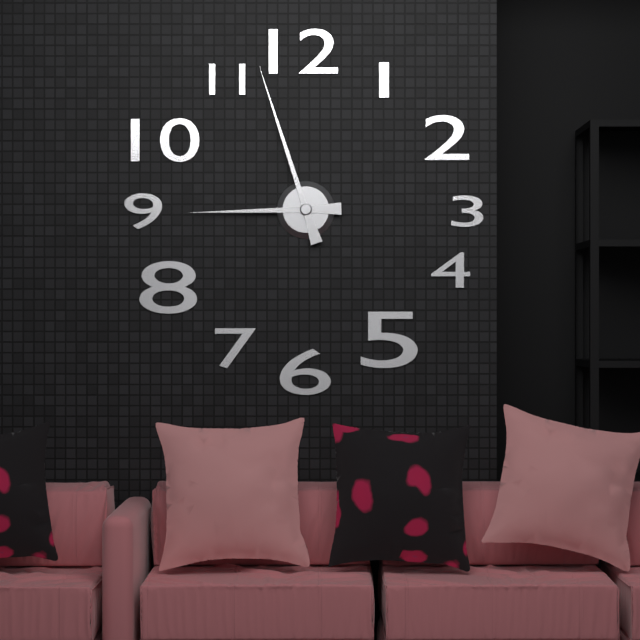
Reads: 8:57
